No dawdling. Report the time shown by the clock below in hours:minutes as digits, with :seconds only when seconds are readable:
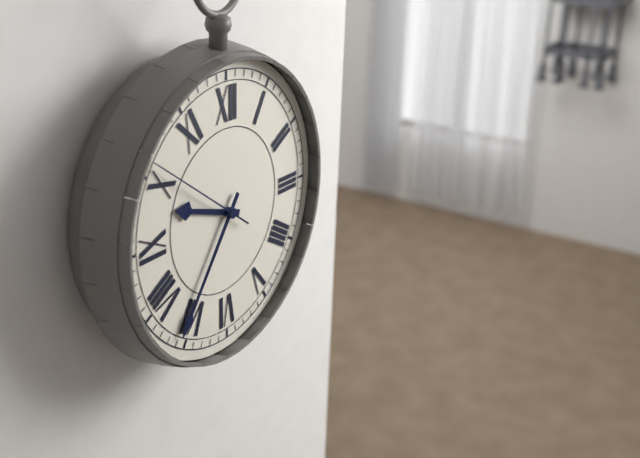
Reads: 9:36:51
